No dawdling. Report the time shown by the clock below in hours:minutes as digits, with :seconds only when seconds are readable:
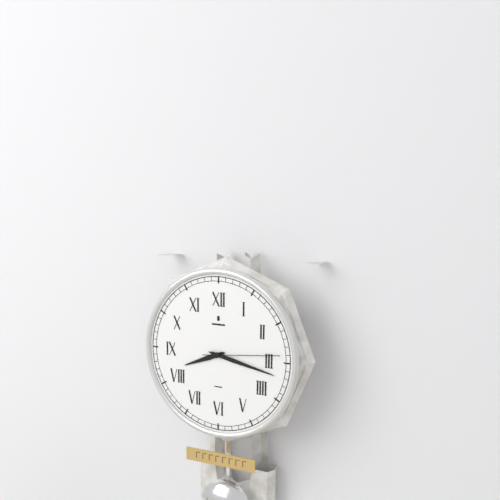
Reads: 8:17:14
